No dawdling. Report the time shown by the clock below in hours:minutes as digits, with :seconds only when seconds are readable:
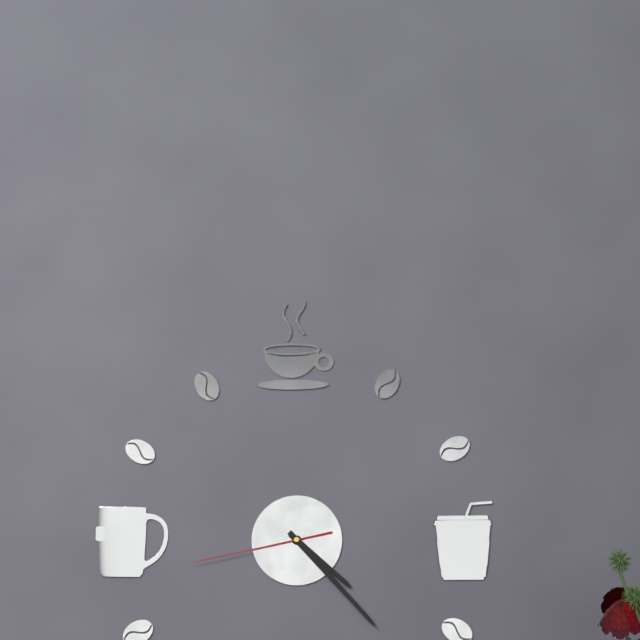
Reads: 4:23:43
